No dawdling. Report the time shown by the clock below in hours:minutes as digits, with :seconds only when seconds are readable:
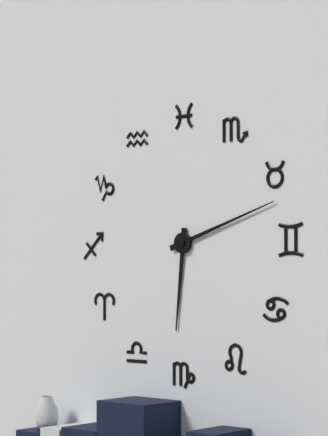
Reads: 6:12
